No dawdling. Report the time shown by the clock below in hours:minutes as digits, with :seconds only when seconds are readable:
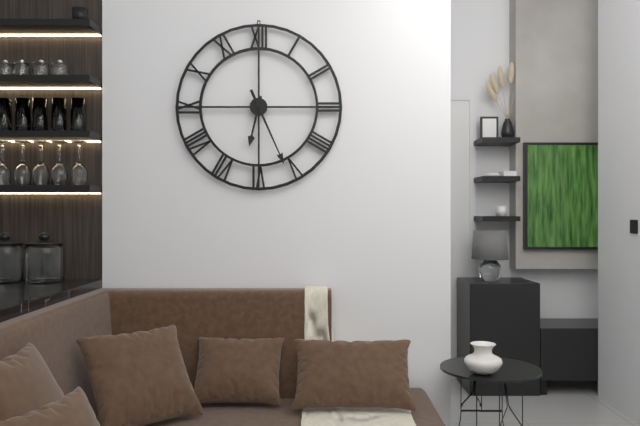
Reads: 6:26
